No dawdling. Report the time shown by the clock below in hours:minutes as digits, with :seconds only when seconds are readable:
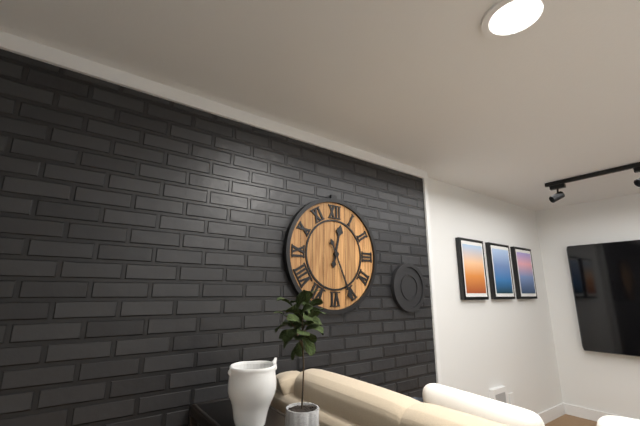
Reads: 12:26
